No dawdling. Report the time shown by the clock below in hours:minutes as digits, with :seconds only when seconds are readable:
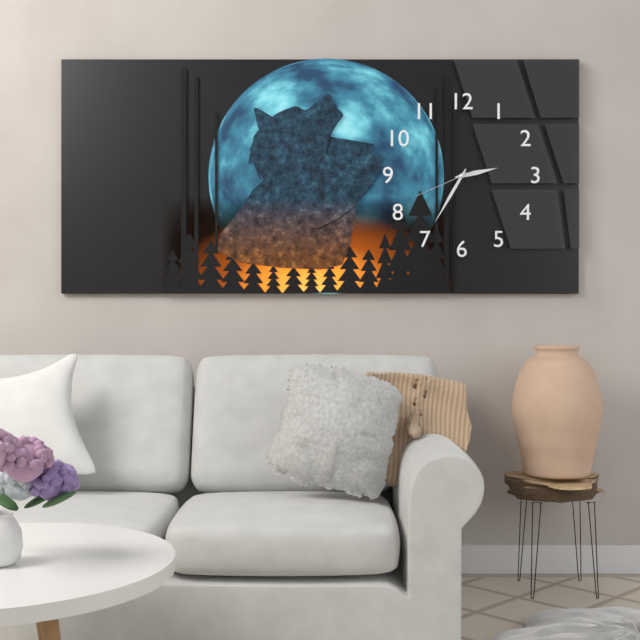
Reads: 2:35:41
